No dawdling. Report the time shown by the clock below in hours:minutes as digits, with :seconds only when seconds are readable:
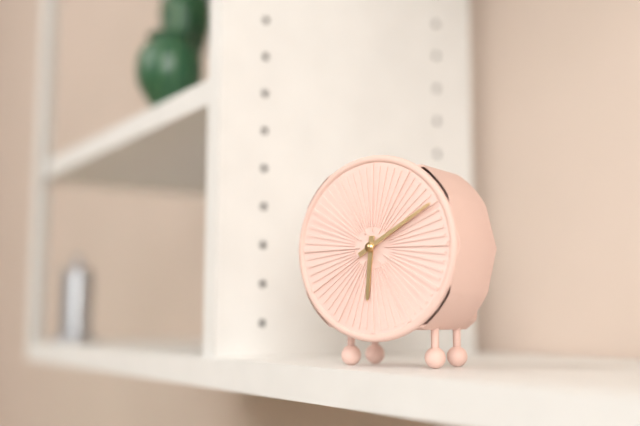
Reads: 6:10
